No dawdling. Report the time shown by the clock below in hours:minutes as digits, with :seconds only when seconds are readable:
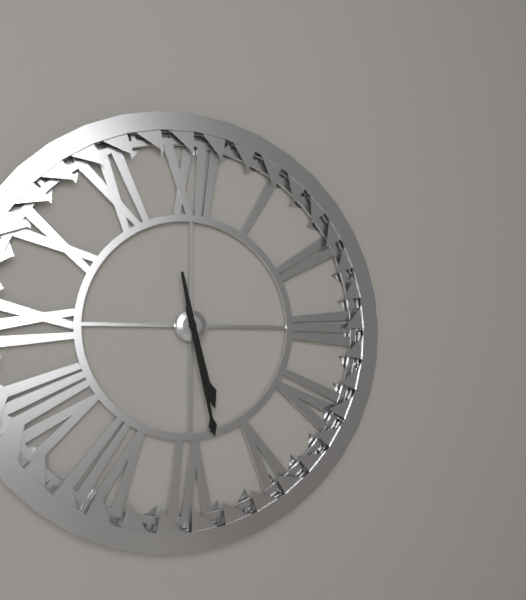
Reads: 5:28
